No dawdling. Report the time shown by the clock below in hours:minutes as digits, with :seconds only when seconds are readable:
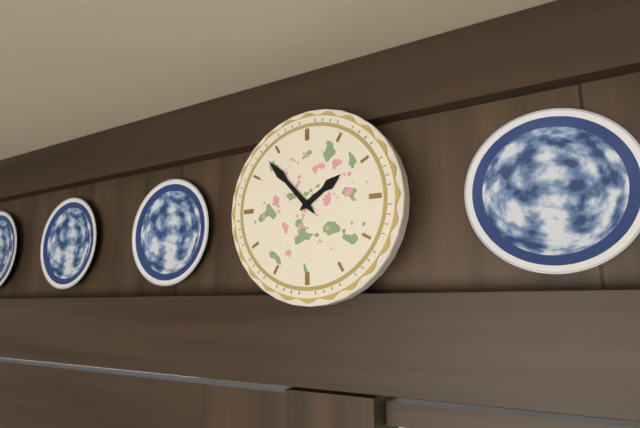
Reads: 1:53
